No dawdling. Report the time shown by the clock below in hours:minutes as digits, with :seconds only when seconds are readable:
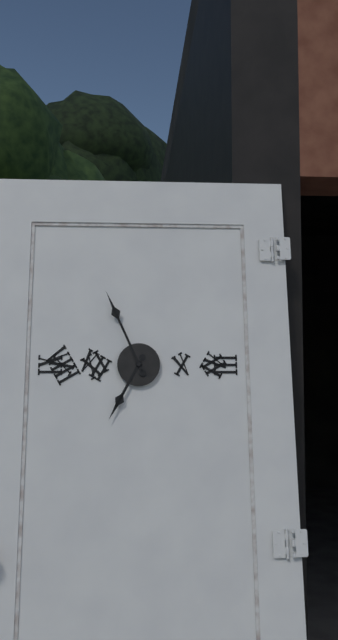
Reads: 6:56
